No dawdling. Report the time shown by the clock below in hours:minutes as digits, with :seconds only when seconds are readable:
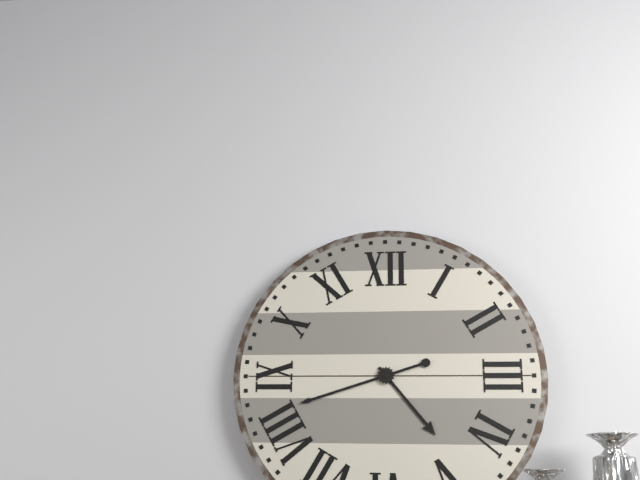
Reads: 4:42
